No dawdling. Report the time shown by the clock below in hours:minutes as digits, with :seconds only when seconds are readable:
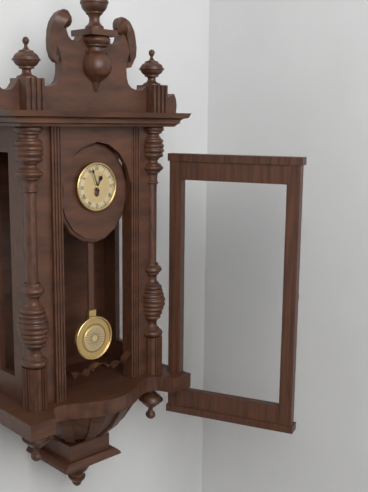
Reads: 12:57
